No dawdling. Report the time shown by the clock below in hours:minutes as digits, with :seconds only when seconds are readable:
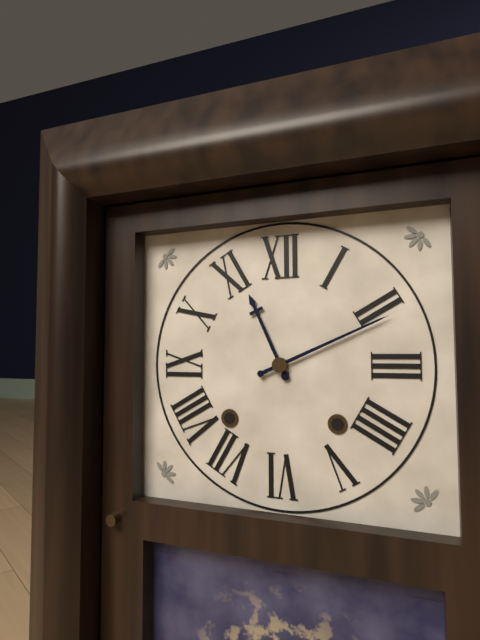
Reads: 11:11
